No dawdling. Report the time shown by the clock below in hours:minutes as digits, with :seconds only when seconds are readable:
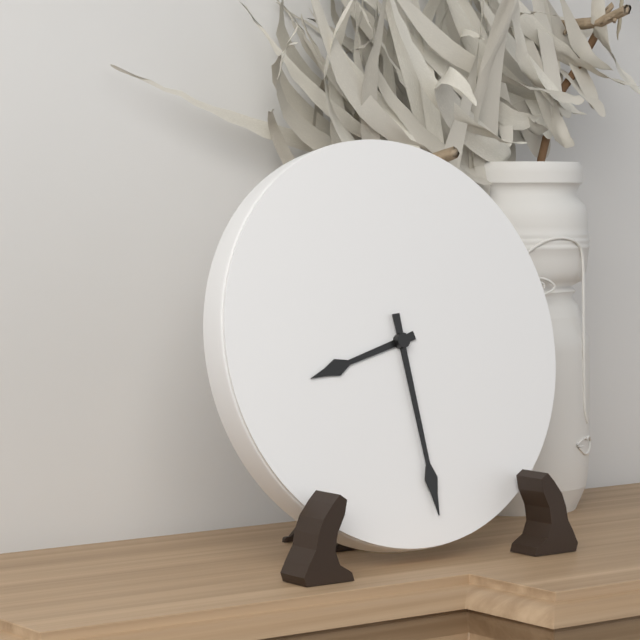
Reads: 8:29
